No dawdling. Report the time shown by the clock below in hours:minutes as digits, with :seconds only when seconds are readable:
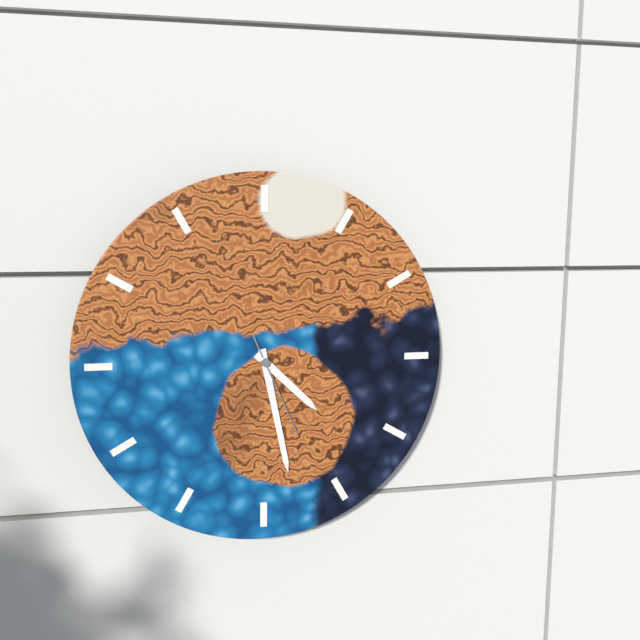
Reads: 4:28:26
